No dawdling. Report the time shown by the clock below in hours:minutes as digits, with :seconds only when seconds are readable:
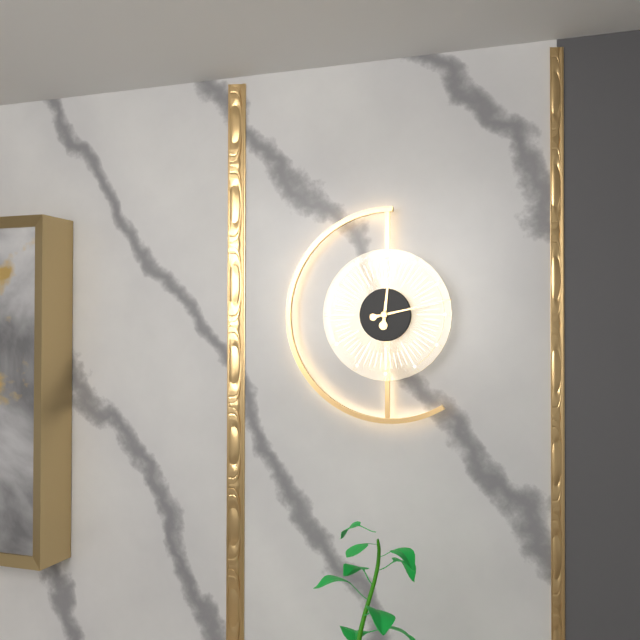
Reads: 12:13
